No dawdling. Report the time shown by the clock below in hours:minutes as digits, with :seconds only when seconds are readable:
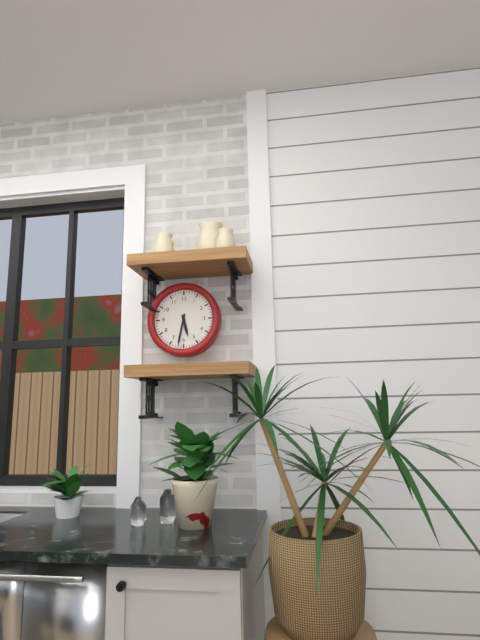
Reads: 5:32
